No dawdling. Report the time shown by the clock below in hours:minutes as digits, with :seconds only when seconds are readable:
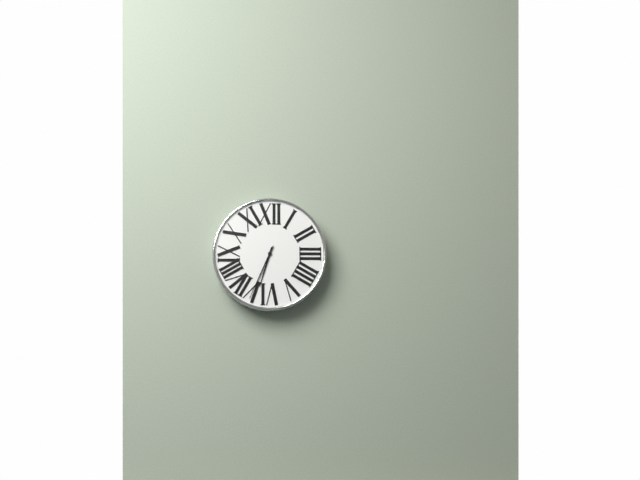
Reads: 6:34
